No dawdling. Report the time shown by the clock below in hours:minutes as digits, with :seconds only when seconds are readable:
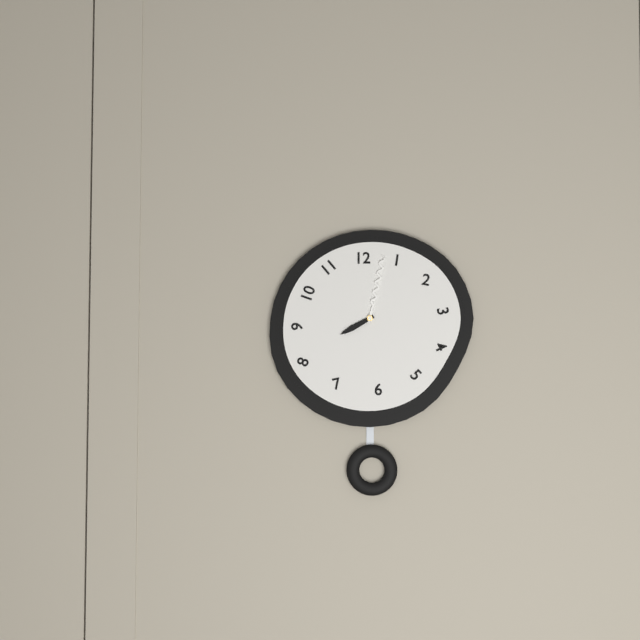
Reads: 8:02
